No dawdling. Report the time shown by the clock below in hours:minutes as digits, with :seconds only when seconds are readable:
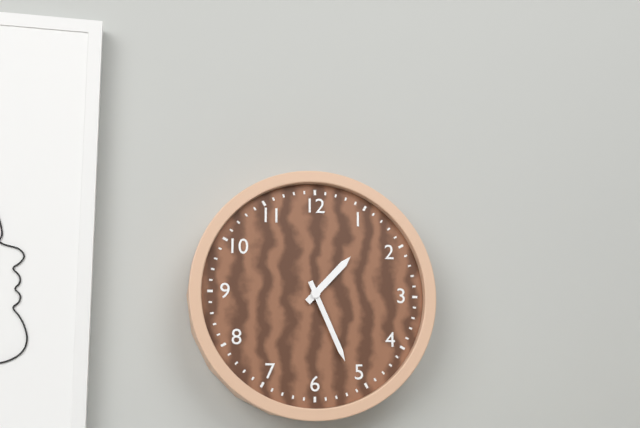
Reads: 1:26
